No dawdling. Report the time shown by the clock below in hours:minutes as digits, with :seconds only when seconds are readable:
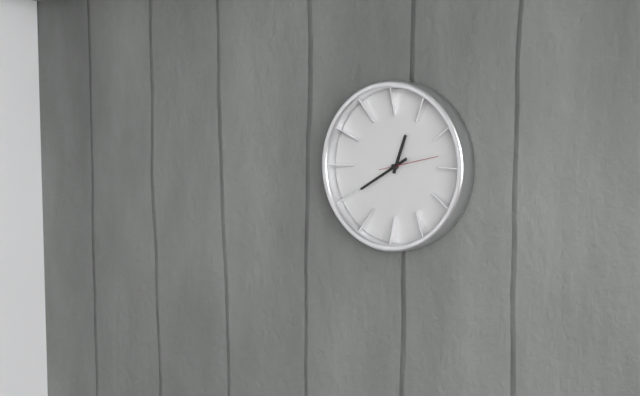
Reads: 12:40:13
